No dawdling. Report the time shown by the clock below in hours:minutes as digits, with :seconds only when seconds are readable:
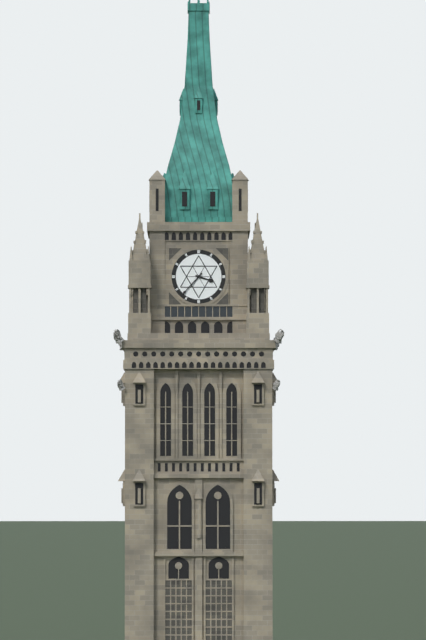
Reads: 3:37
